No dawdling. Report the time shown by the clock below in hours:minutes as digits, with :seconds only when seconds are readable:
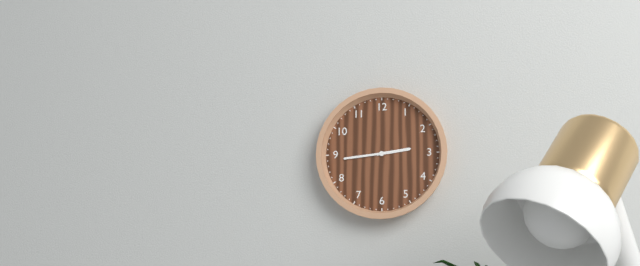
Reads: 2:44
